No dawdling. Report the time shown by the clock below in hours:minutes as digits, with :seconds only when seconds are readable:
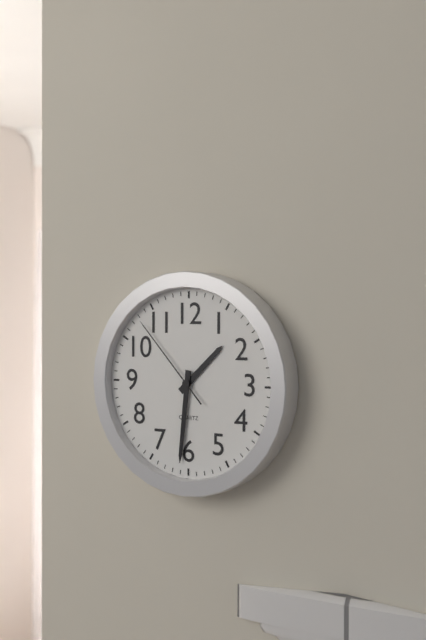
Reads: 1:31:53
